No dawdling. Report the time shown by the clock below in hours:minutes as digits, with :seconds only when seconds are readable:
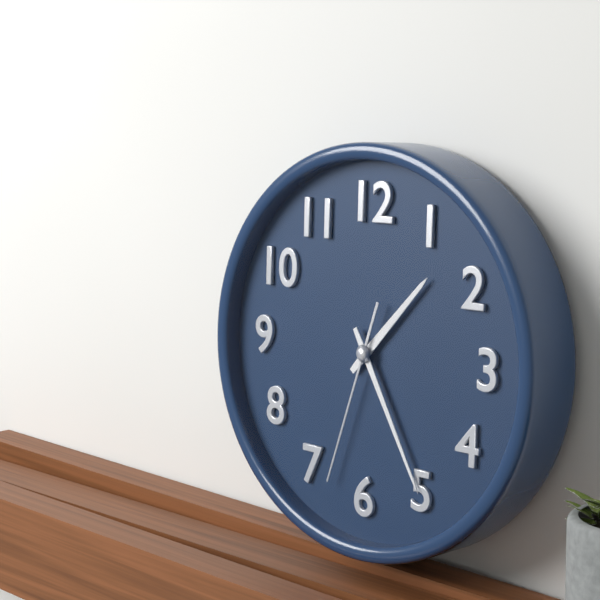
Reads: 1:25:33
